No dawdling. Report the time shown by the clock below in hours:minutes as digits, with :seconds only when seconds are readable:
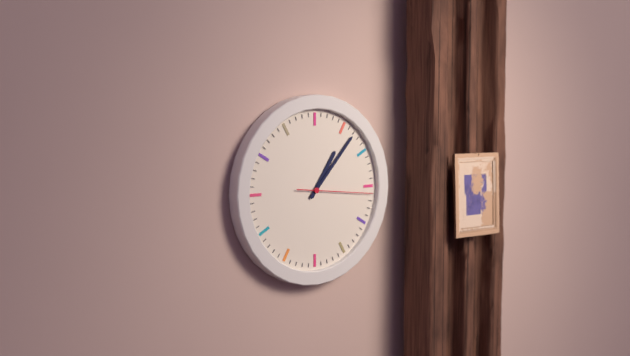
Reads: 1:07:16
